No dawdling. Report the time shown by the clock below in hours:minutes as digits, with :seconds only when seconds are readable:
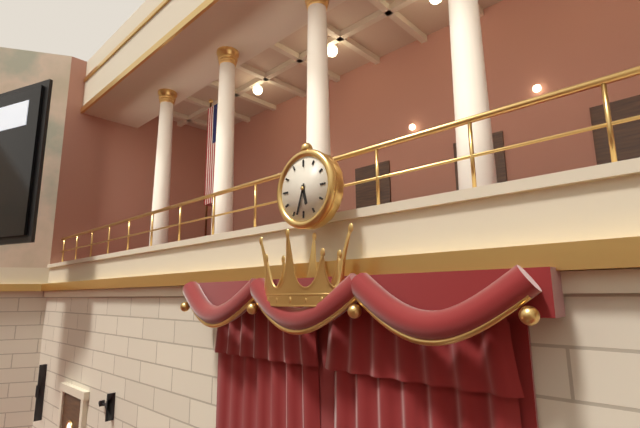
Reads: 5:33
